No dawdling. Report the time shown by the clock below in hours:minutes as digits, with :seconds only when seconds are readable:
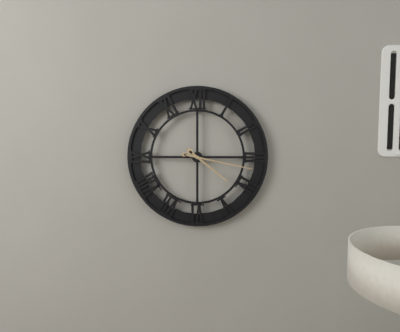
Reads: 4:17
